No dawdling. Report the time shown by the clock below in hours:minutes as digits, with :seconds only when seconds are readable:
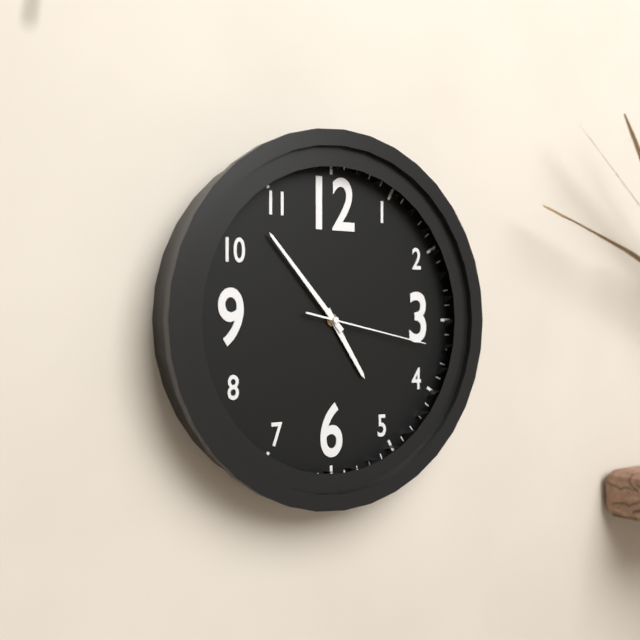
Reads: 4:53:17
